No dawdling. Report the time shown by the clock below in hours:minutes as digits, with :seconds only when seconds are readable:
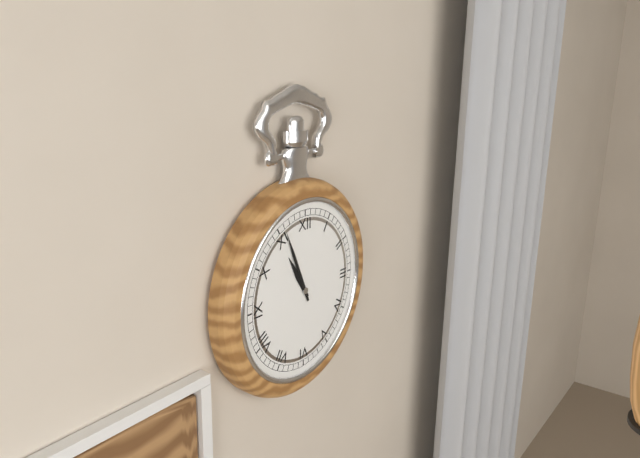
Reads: 10:56
